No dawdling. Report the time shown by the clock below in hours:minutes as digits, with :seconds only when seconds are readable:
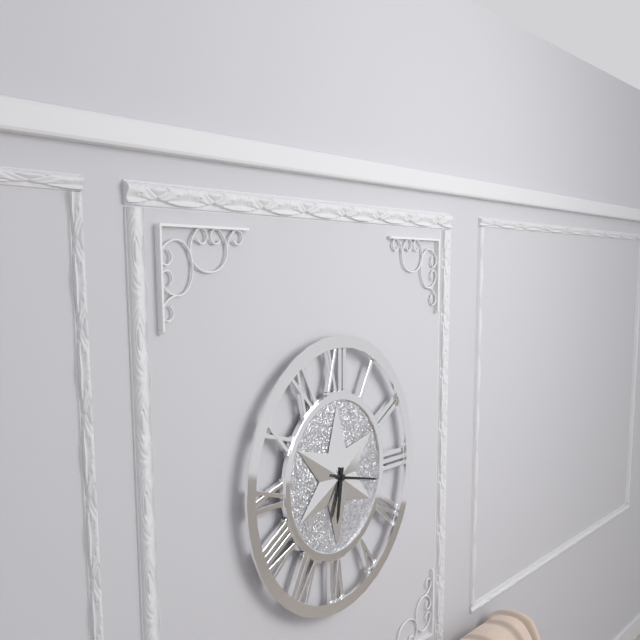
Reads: 6:17
